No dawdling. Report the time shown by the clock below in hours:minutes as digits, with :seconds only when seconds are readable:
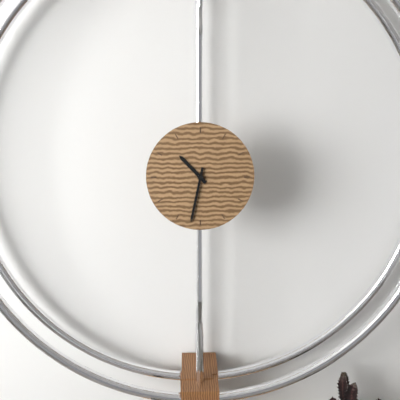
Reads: 10:32
